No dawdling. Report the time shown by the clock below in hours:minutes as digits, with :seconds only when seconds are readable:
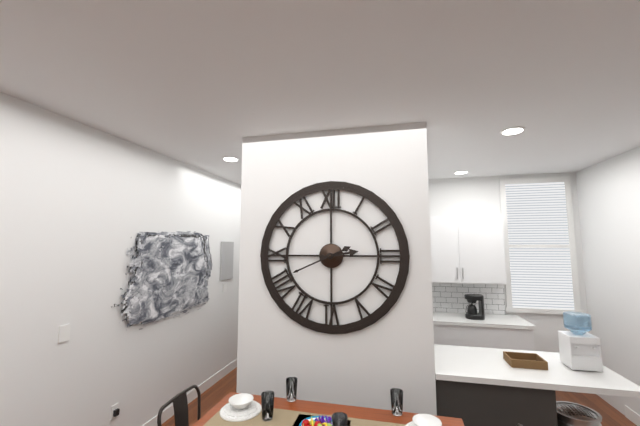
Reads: 2:41
